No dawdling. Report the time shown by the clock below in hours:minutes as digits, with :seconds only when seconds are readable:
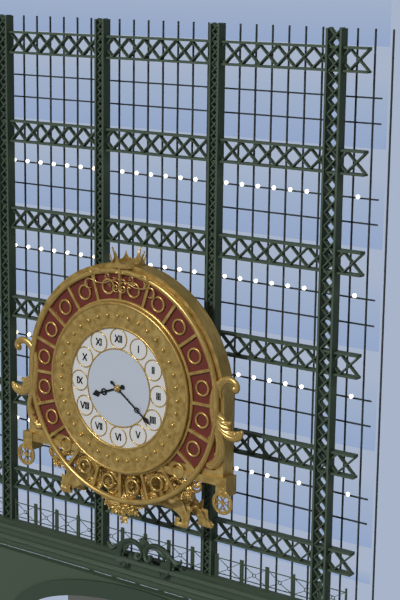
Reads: 8:21
